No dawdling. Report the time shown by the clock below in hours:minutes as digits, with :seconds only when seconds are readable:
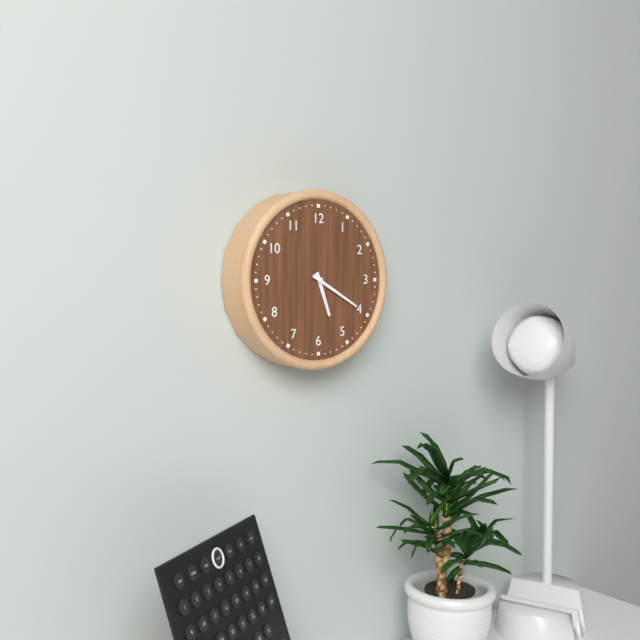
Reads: 5:20
